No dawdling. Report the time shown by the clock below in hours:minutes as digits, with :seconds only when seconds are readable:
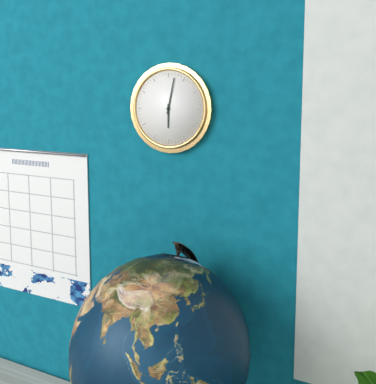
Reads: 6:02
